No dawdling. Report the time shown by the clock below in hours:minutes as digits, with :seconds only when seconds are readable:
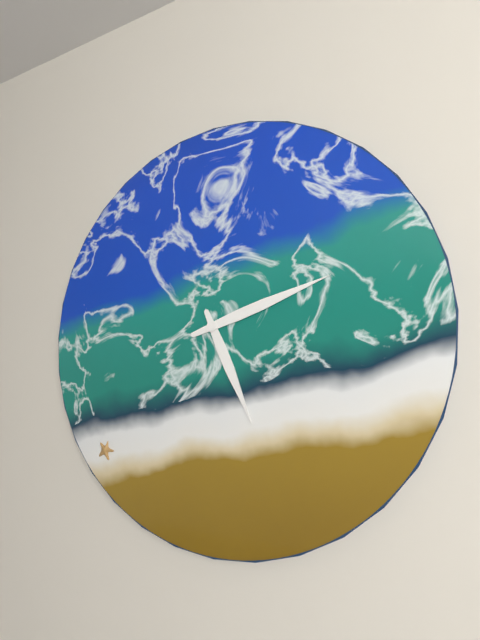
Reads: 5:12
